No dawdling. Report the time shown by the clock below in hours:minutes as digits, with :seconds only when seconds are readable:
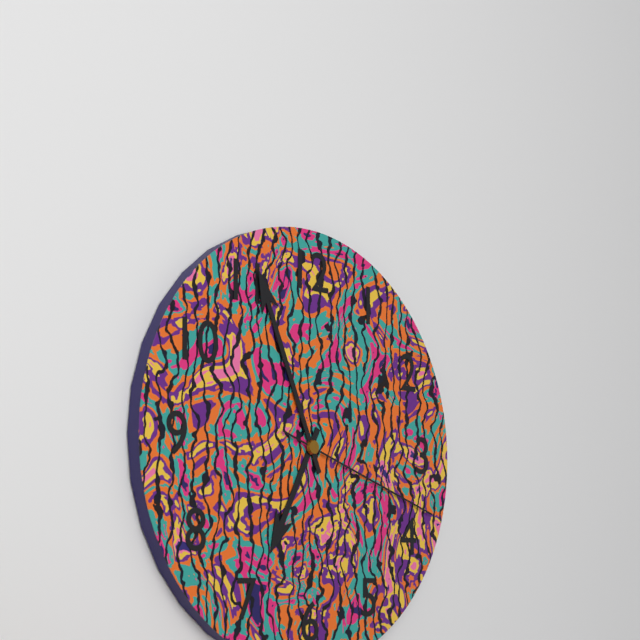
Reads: 6:56:18
